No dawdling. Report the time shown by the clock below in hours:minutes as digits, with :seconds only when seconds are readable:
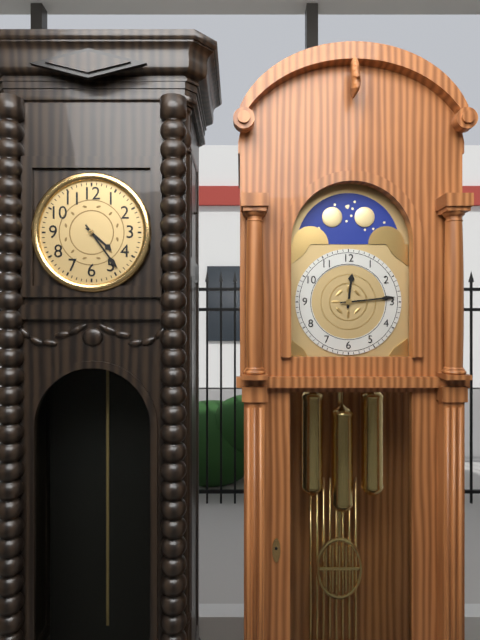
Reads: 4:24
